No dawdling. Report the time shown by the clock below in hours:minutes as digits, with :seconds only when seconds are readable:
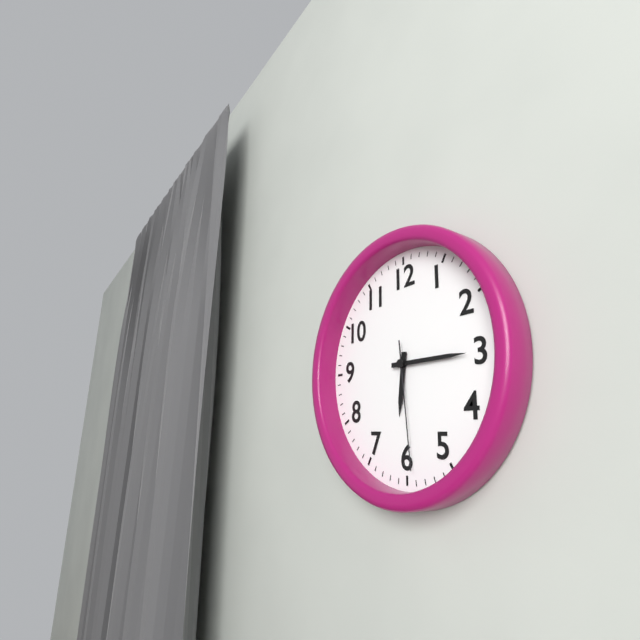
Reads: 6:15:29
